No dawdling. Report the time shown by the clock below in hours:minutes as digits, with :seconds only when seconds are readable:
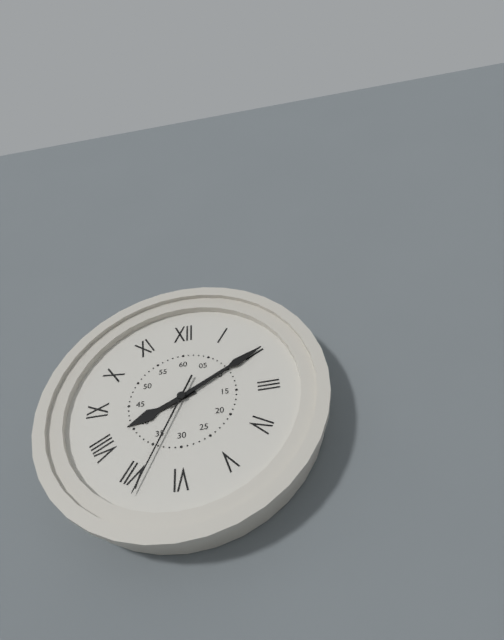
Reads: 8:10:34
